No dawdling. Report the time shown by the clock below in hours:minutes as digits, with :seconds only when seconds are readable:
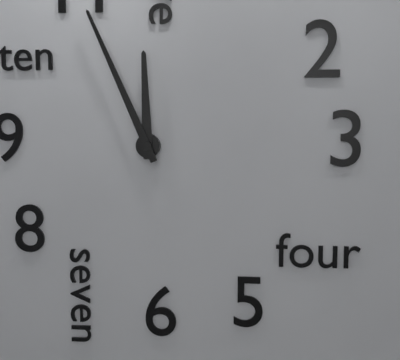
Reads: 11:56
